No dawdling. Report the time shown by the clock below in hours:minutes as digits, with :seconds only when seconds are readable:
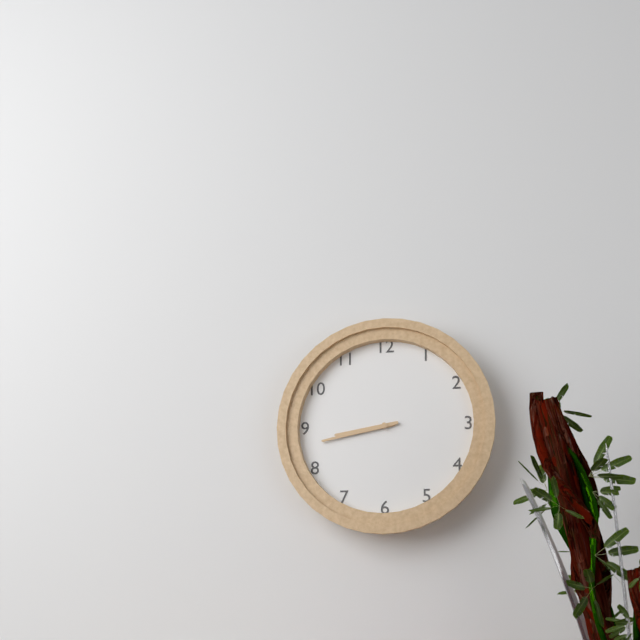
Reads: 8:43
